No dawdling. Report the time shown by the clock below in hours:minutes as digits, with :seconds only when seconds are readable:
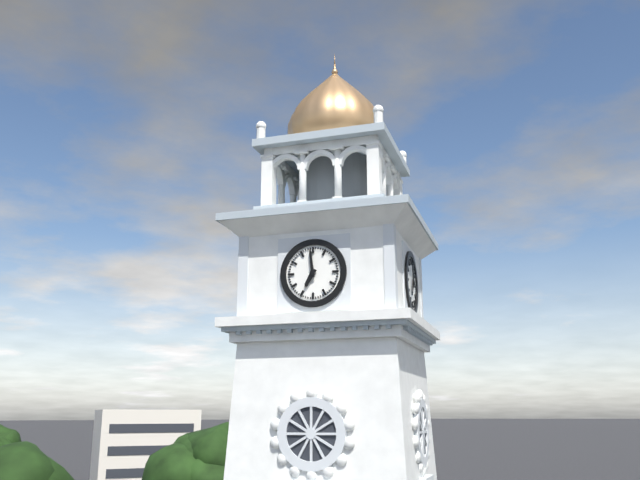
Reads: 6:59
